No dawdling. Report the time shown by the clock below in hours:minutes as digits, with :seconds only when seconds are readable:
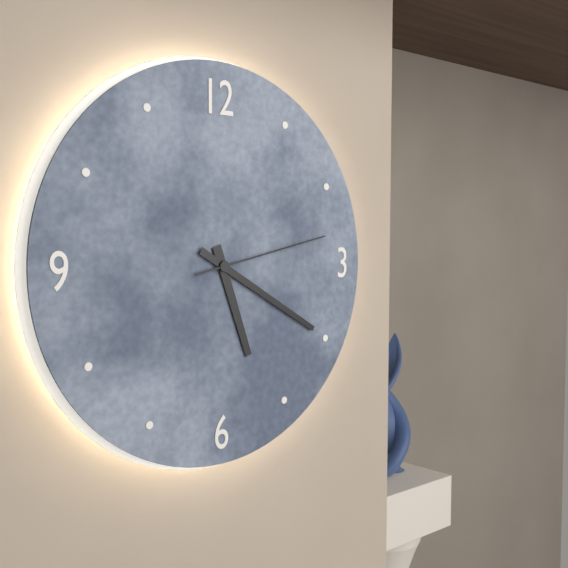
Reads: 5:20:13
